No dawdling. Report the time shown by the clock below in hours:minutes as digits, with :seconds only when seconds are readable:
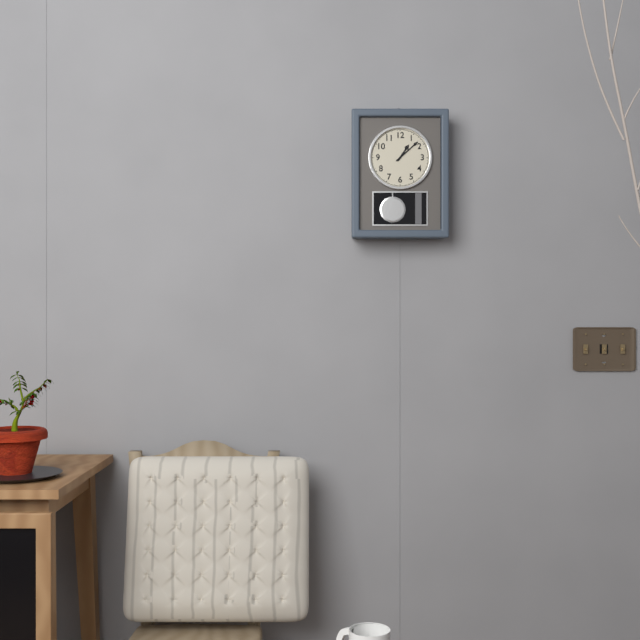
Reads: 1:08
